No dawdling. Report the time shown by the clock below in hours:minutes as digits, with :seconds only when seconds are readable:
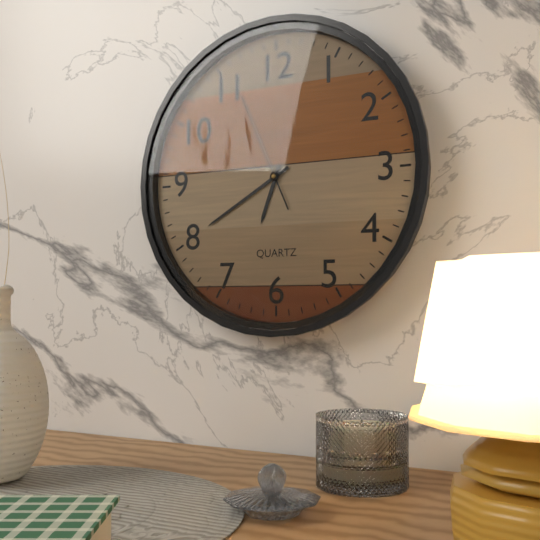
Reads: 6:40:56
